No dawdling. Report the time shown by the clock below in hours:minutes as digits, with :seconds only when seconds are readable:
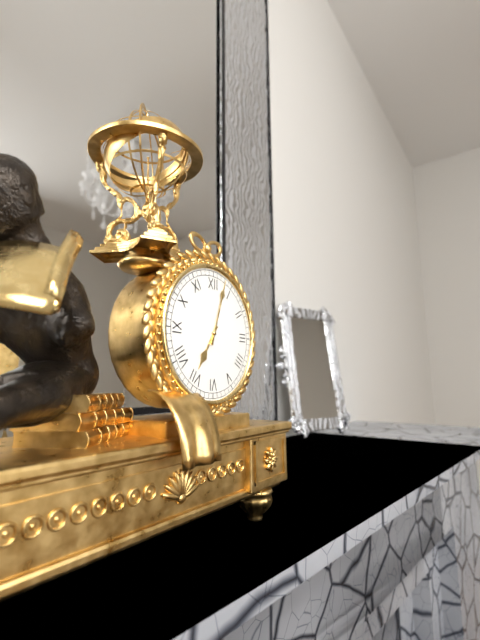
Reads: 7:03
